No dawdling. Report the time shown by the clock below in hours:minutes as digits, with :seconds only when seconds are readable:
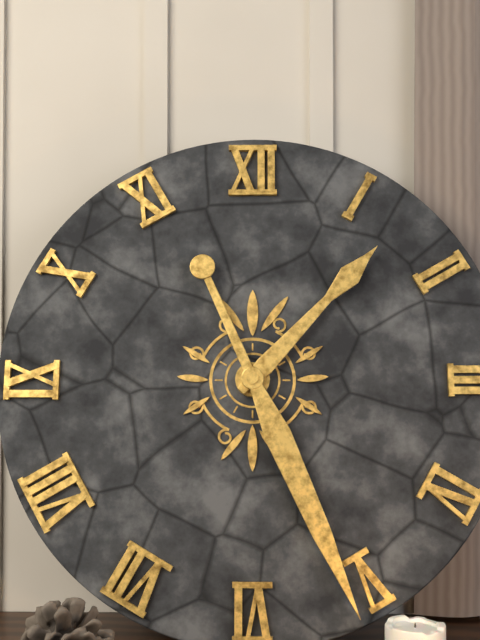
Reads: 1:26
